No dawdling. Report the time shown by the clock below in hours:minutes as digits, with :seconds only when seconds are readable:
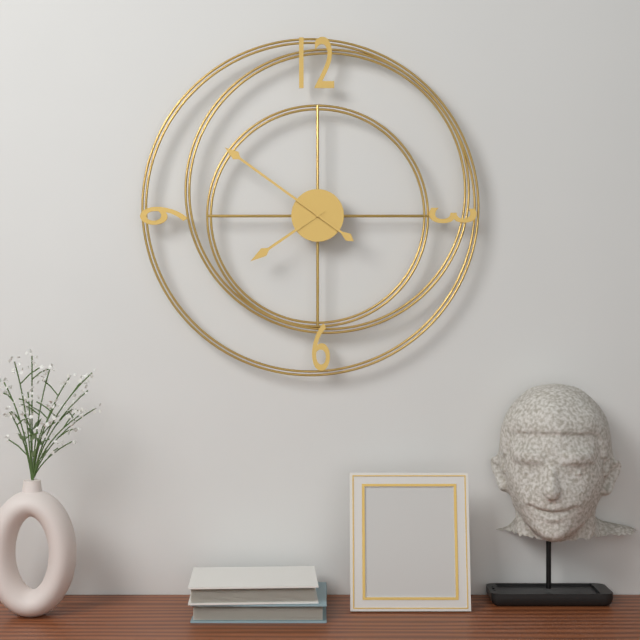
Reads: 7:51
